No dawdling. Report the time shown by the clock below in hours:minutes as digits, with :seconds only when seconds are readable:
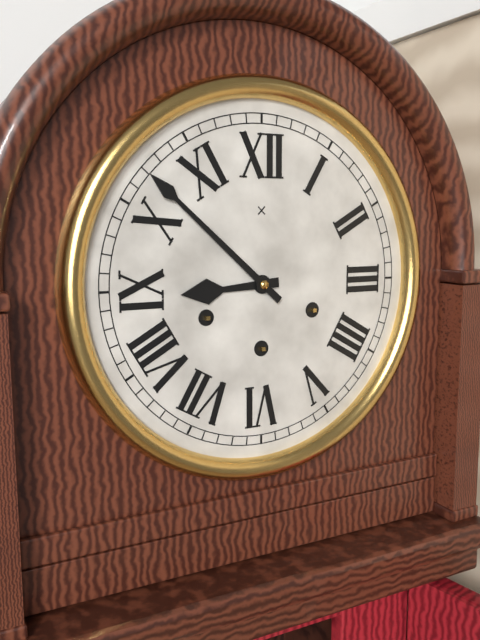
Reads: 8:52
